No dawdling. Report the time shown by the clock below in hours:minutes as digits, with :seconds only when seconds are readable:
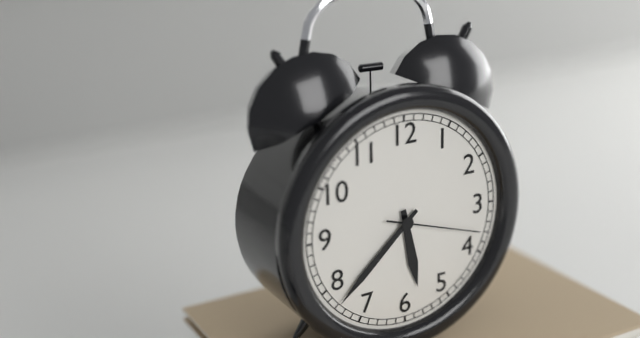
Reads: 5:38:18
